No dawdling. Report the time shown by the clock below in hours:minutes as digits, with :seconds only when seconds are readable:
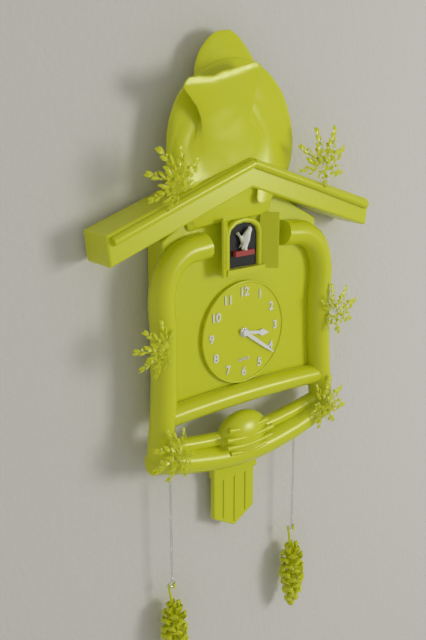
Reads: 3:21
